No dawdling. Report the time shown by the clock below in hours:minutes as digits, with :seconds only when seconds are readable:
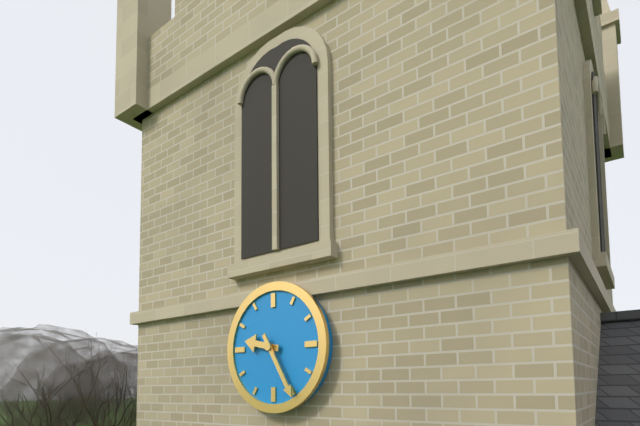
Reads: 9:25
